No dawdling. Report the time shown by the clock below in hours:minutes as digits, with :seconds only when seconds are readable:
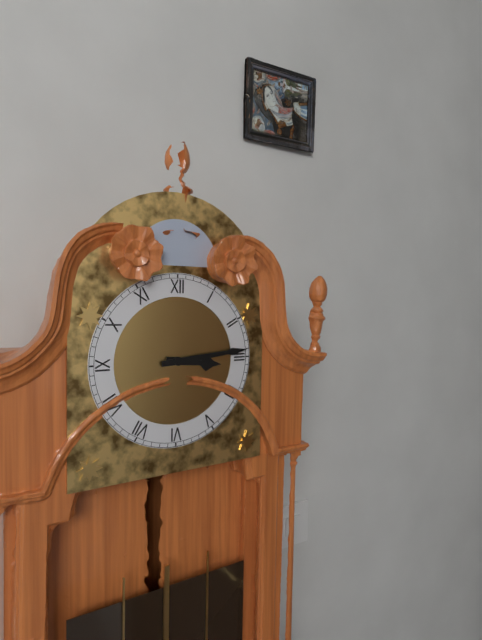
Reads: 3:14
